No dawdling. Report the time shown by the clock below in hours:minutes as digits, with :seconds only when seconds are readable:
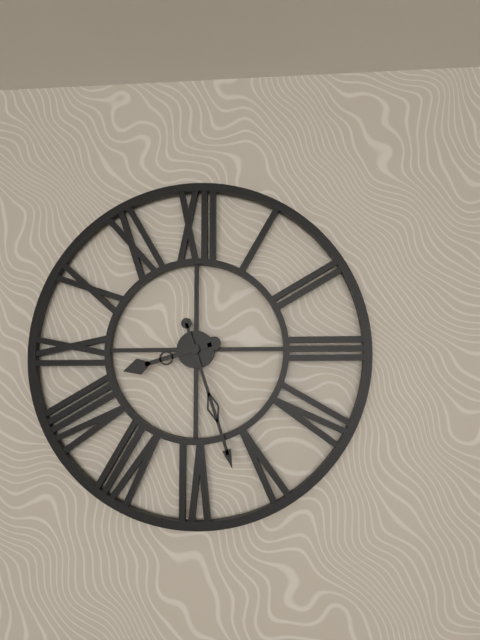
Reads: 8:27
